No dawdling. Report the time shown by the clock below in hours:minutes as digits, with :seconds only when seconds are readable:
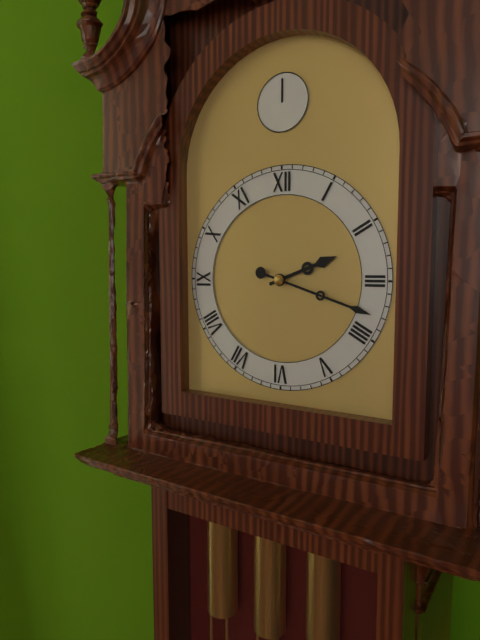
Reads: 2:18
